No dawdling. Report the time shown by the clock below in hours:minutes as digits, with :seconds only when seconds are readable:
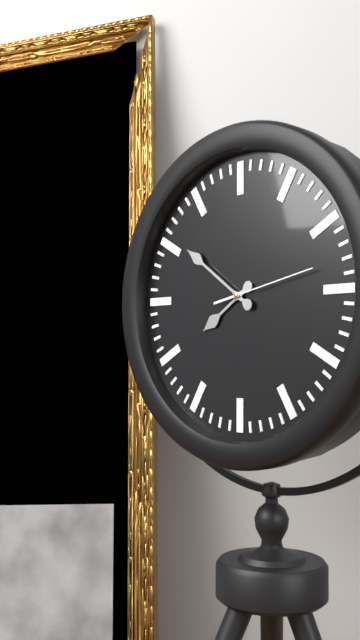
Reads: 7:51:13
